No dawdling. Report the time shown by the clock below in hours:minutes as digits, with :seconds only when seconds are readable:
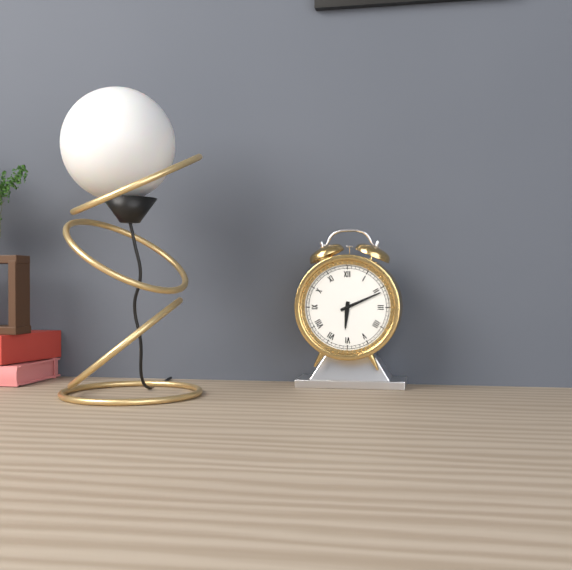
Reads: 6:11
